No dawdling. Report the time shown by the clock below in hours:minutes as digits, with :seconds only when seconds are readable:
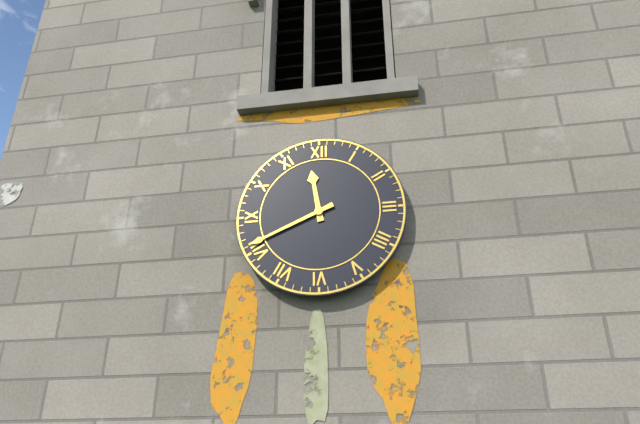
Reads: 11:41
